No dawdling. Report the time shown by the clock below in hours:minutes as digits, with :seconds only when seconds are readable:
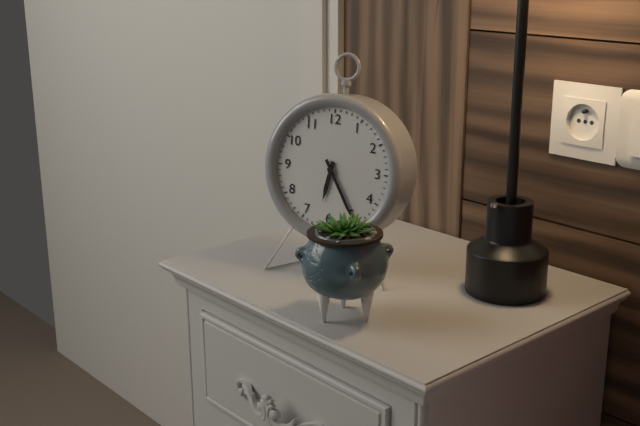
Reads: 6:25
